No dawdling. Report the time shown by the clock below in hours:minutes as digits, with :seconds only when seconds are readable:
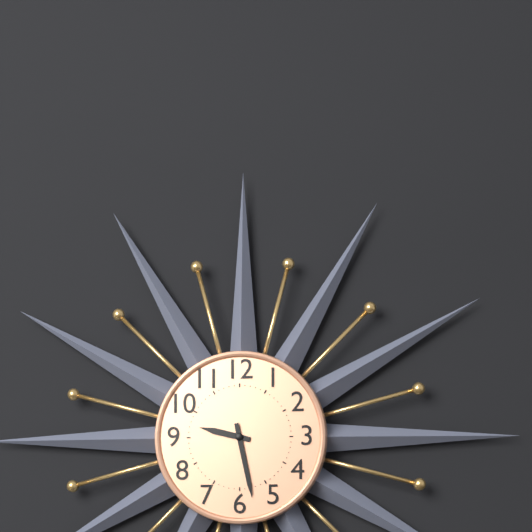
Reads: 9:28
